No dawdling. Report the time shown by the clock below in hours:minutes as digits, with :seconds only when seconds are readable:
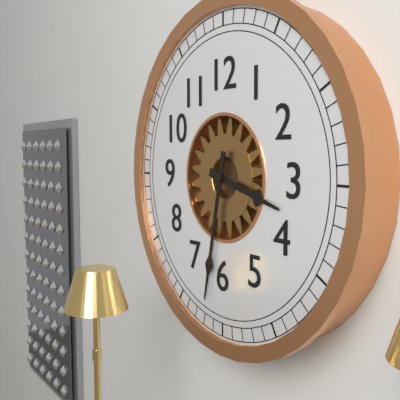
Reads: 3:32
